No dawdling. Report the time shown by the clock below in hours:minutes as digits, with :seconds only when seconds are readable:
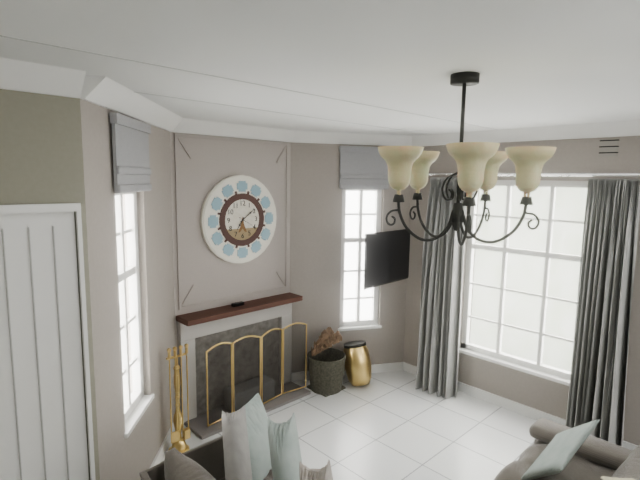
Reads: 7:09
